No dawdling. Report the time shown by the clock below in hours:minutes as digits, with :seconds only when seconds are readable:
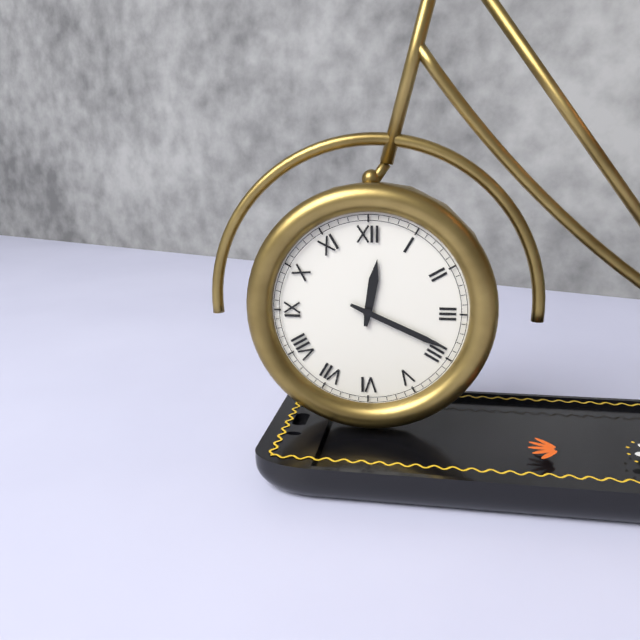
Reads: 12:19
